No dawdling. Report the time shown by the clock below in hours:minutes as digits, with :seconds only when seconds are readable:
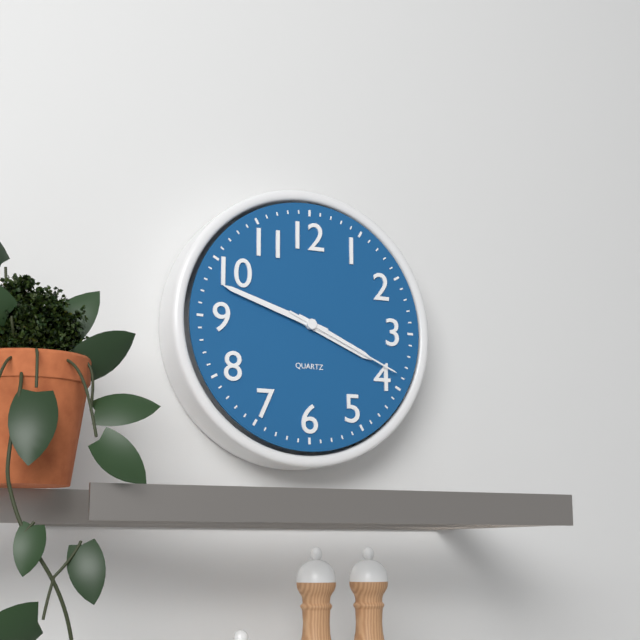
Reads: 3:48:19
